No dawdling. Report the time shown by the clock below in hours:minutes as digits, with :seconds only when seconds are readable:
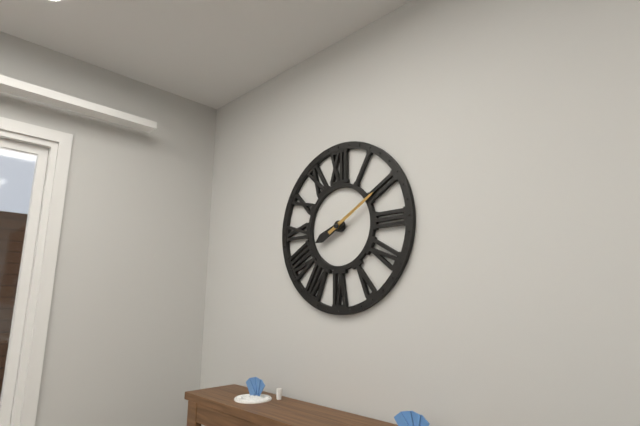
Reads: 8:10
